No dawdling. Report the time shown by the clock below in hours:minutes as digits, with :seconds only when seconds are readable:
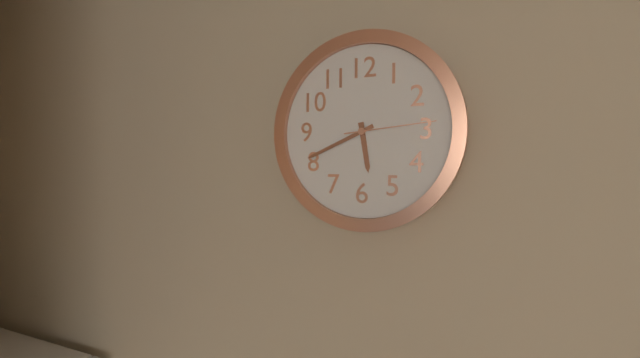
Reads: 5:41:14
